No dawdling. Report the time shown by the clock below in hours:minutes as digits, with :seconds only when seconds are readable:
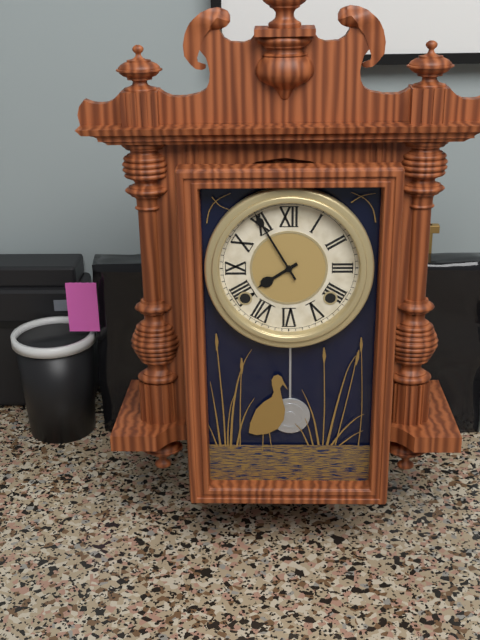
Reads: 7:55
